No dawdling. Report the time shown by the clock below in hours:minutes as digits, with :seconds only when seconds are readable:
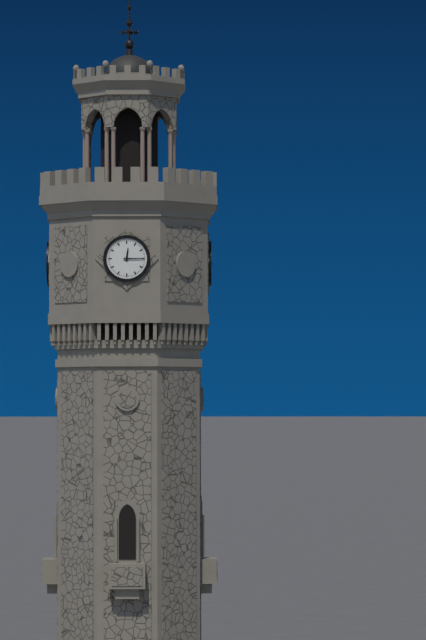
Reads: 12:15
